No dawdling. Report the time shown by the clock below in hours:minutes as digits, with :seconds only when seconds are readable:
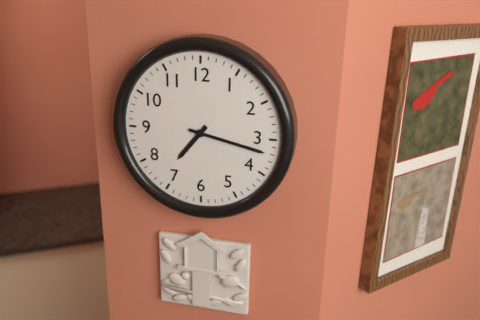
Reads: 7:17
